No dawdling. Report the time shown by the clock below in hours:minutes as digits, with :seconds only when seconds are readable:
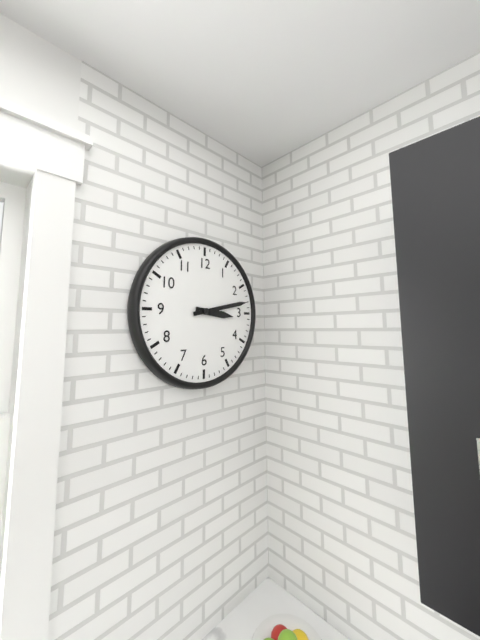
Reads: 3:13
